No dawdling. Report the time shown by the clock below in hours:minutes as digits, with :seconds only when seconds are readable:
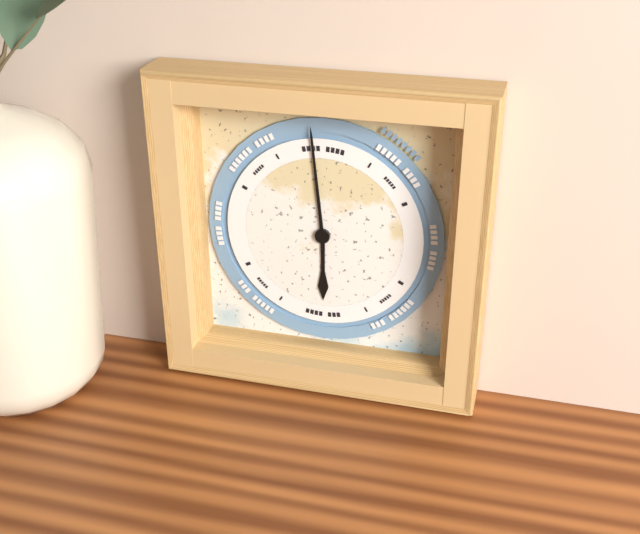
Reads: 5:59
